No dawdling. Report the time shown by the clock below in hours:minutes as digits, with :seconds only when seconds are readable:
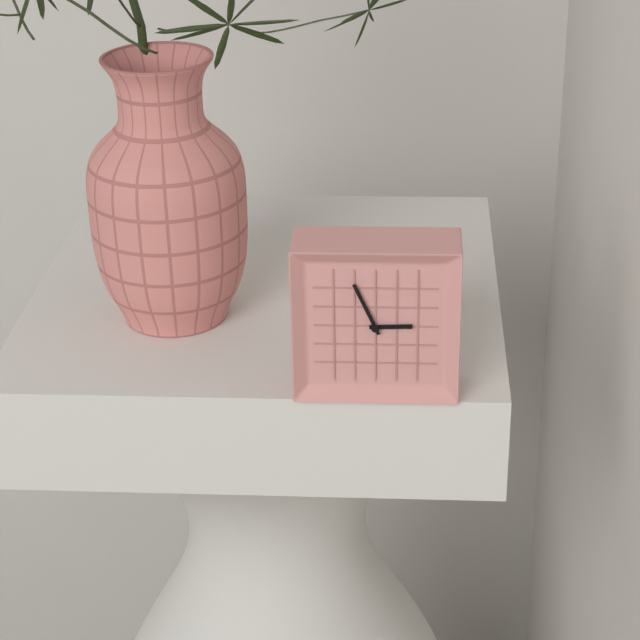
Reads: 2:56
